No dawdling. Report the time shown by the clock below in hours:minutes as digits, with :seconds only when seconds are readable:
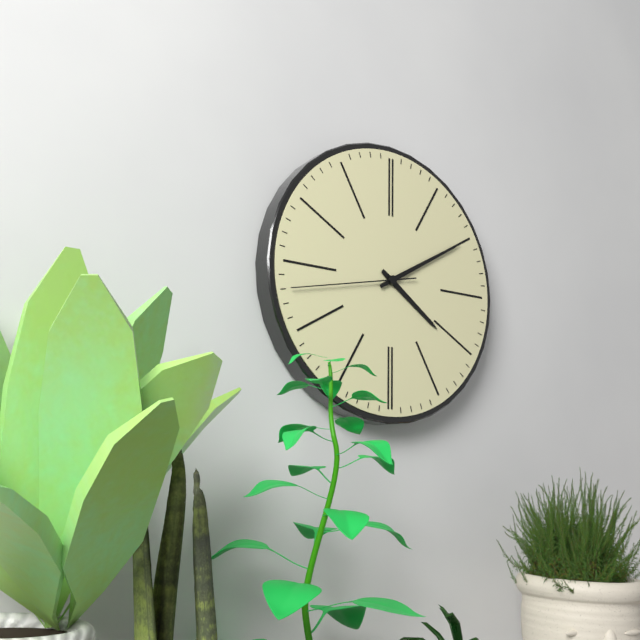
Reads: 4:10:43
